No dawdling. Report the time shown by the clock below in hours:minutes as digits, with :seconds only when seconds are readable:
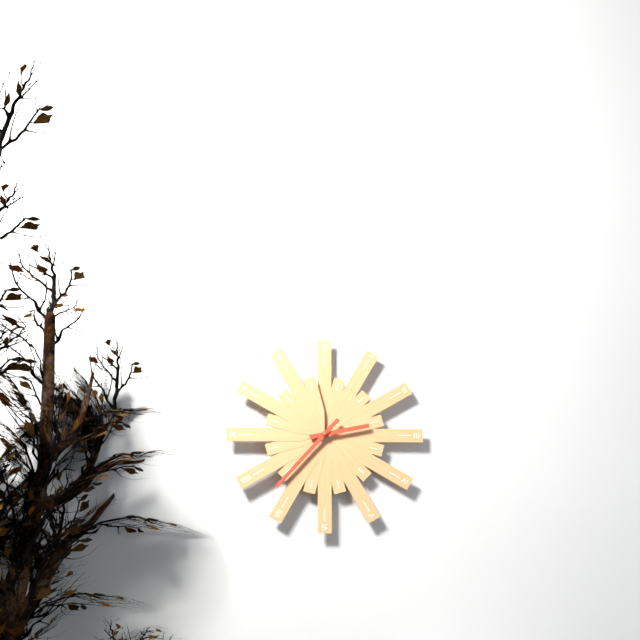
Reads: 2:37
